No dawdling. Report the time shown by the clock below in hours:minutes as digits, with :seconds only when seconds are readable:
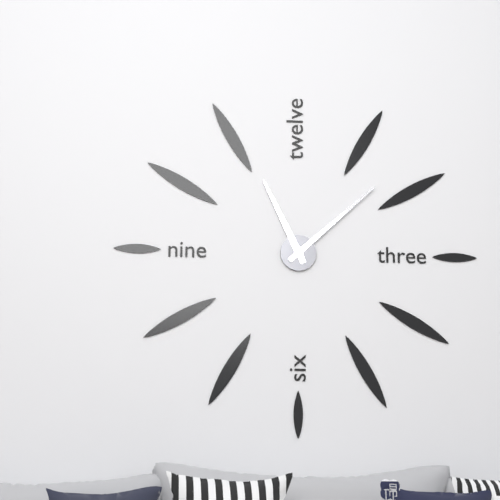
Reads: 11:08
